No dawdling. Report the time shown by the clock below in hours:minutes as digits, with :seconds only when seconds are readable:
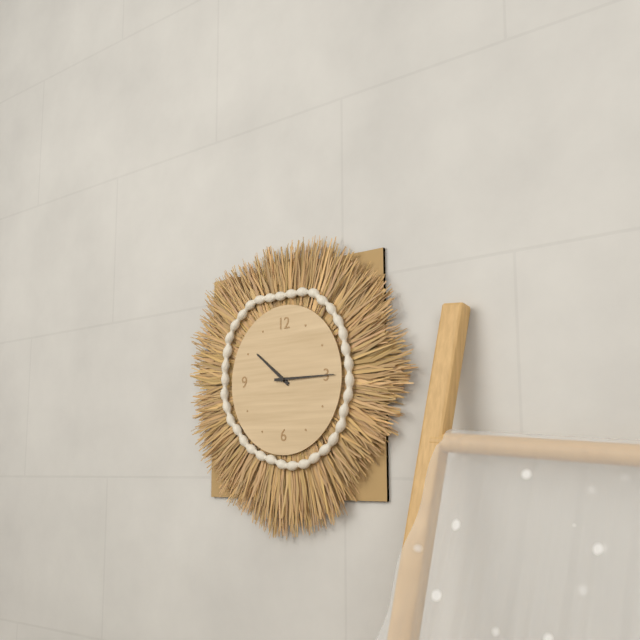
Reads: 10:15
